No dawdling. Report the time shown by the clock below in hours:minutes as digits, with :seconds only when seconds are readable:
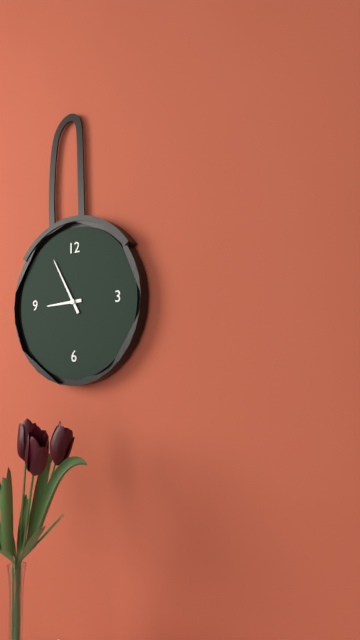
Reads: 8:55
